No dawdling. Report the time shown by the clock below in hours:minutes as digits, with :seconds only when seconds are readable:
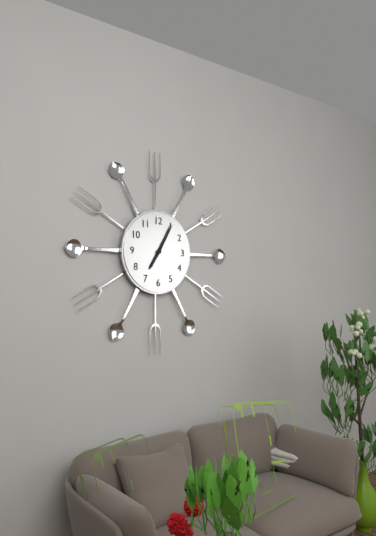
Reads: 7:05
